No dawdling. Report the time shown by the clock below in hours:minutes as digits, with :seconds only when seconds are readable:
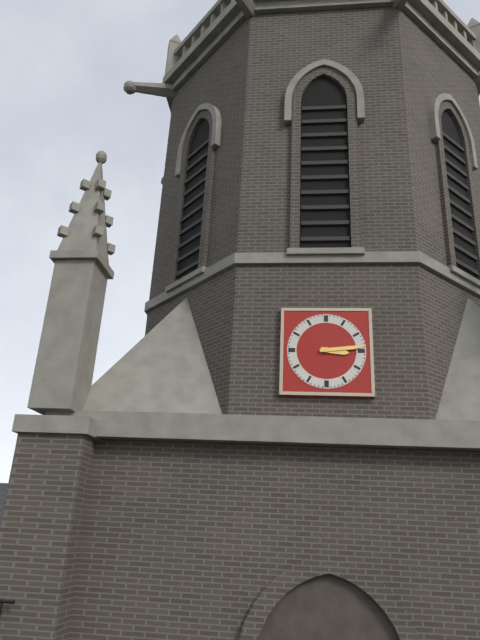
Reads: 3:14
